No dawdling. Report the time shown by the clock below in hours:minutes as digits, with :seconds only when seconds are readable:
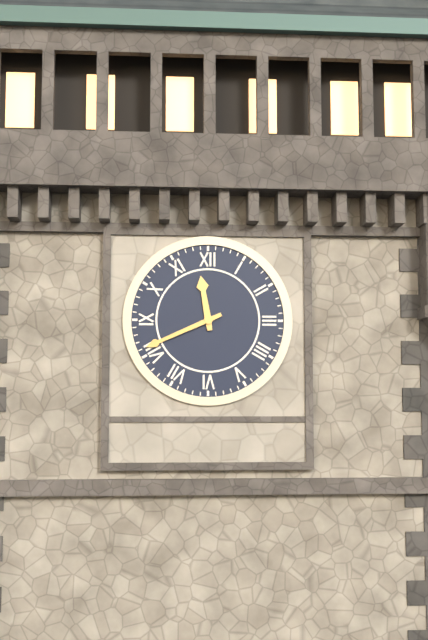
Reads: 11:41
